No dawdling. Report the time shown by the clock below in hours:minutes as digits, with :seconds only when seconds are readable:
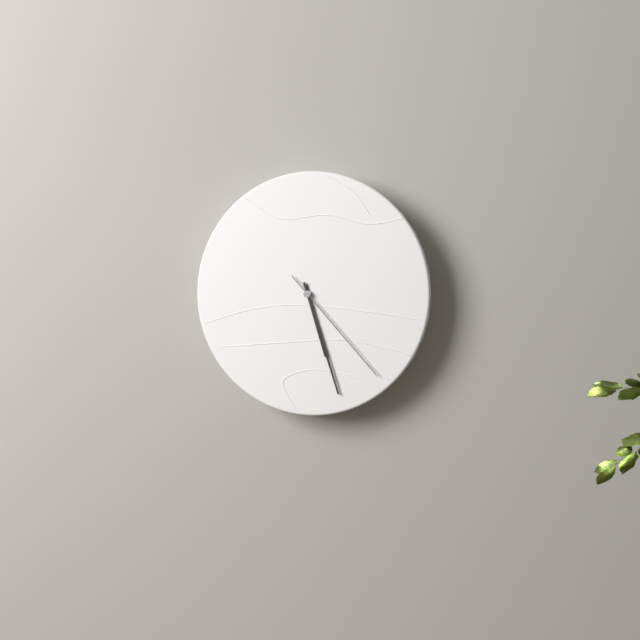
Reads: 5:27:23
